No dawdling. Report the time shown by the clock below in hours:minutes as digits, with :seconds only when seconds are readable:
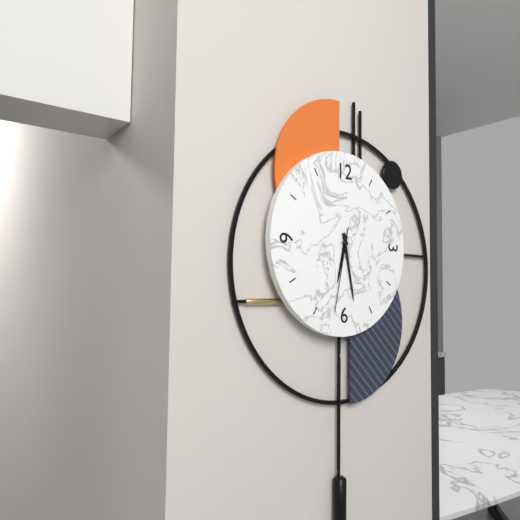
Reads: 6:28:32
